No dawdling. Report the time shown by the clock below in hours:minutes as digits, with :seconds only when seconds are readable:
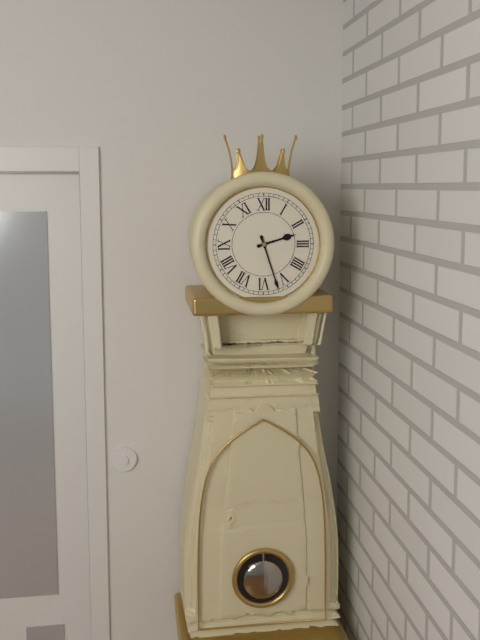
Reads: 2:27
